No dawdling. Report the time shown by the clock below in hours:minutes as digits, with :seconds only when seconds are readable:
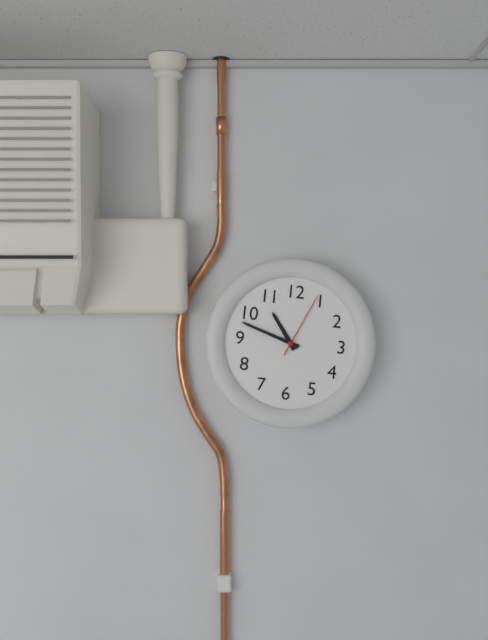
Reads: 10:48:04
